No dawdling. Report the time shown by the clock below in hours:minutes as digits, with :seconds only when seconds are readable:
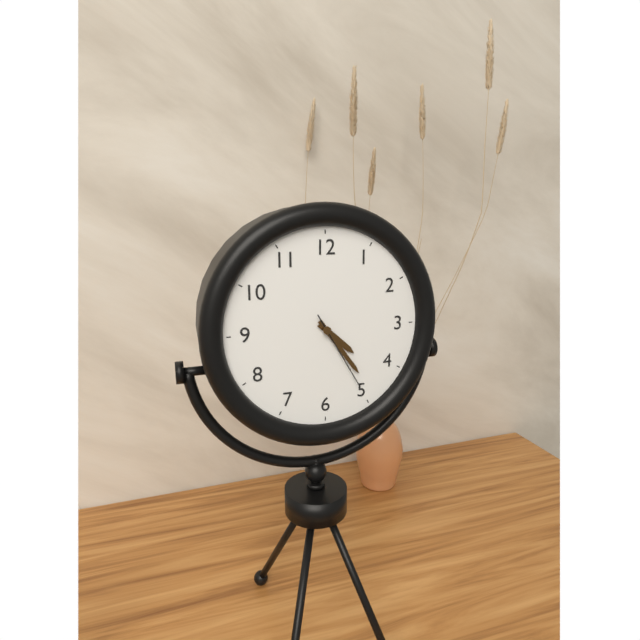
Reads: 4:24:25
